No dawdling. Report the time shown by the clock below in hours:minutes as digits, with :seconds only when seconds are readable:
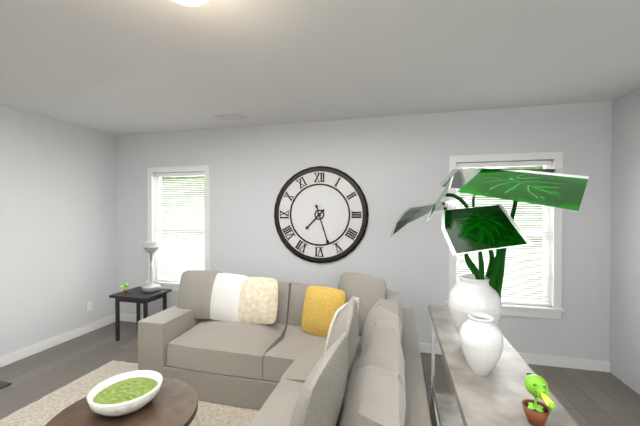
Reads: 7:27
